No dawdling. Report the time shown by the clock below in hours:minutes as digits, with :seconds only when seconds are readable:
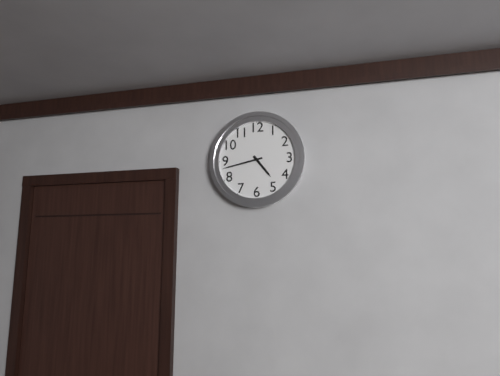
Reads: 4:43
